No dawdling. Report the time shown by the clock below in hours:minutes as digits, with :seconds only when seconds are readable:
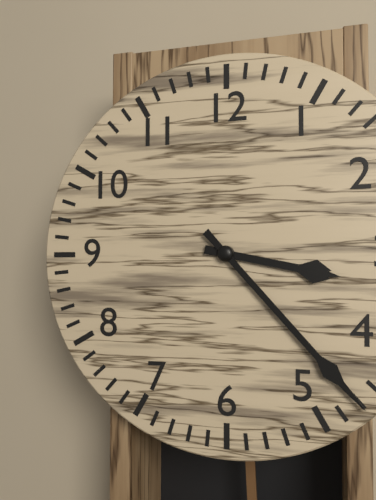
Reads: 3:23
